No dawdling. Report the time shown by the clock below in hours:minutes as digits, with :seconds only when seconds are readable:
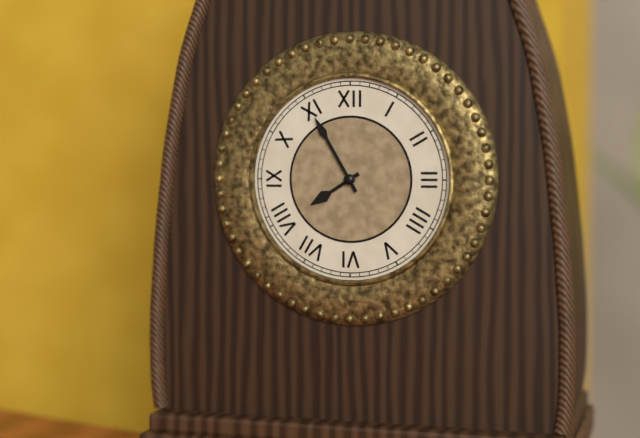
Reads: 7:55
